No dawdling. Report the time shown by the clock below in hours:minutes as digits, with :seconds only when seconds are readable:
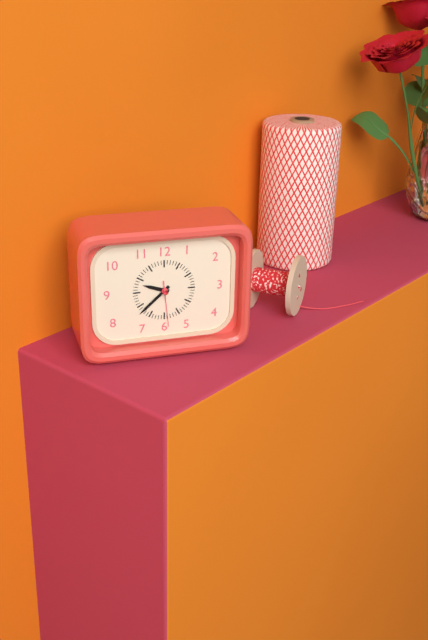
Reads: 9:38
